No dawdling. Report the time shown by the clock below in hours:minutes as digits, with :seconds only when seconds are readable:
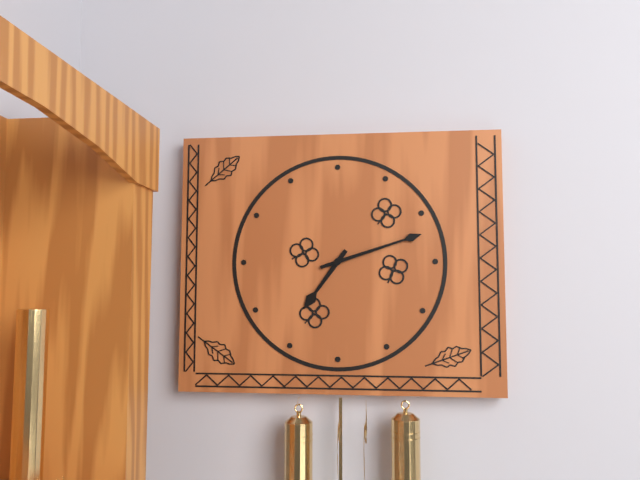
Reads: 7:12
